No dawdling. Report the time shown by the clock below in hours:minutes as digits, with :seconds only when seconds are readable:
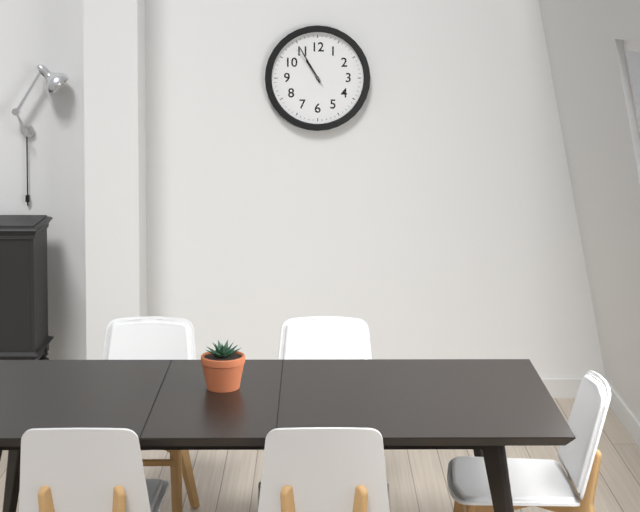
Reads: 10:55
